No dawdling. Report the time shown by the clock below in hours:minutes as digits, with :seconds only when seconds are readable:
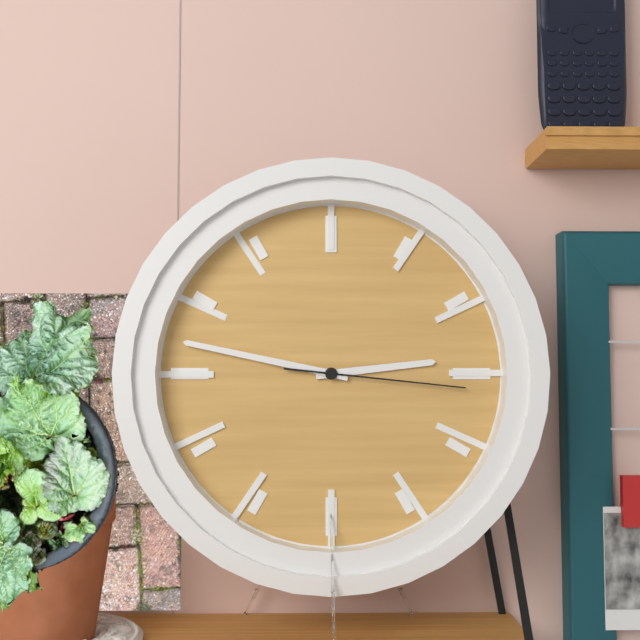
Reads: 2:47:16
